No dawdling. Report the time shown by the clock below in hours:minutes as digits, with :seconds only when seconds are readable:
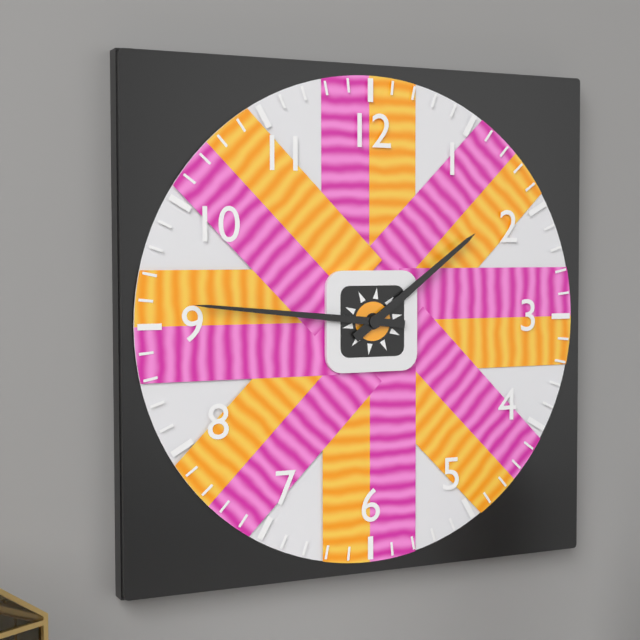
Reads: 1:46
